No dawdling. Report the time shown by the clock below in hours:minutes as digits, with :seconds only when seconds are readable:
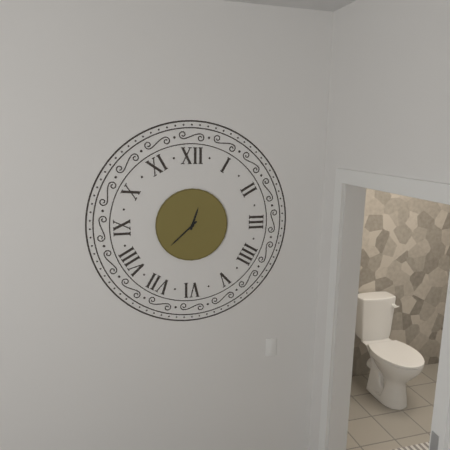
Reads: 12:38
